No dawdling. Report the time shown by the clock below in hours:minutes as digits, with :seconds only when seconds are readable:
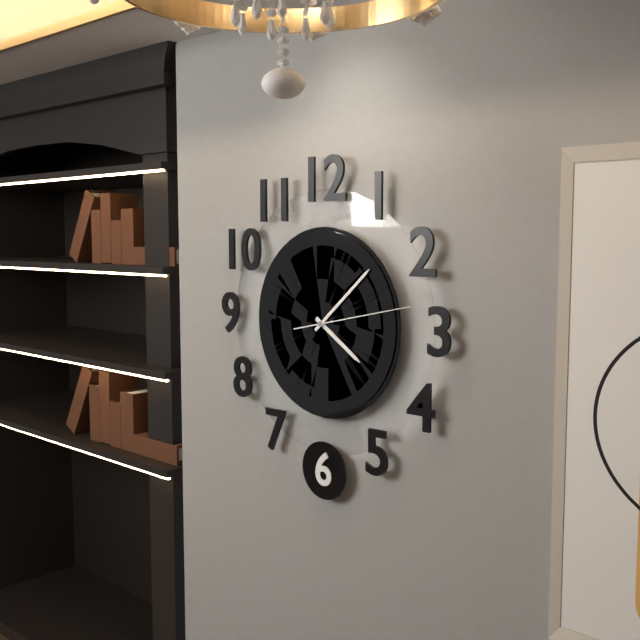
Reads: 4:08:13
